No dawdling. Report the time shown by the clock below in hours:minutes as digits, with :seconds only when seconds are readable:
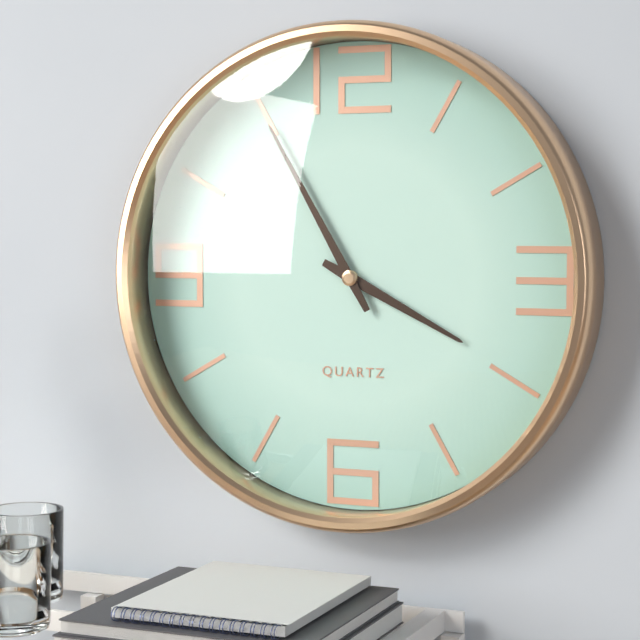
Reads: 3:55
